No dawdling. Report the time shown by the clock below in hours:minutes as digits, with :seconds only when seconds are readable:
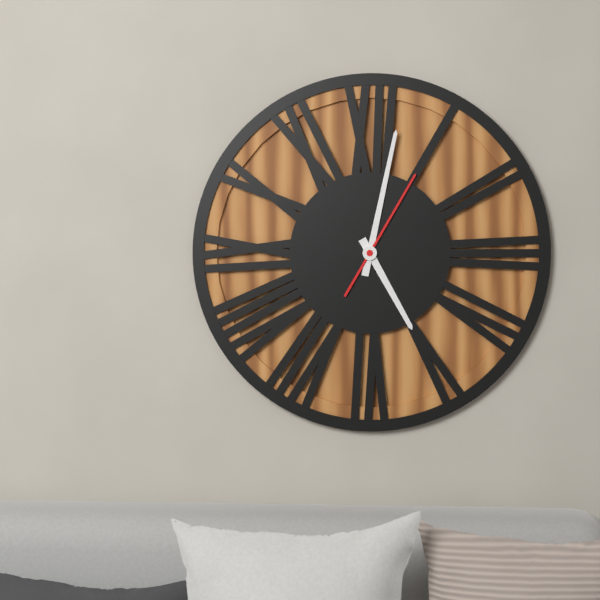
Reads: 5:02:05
